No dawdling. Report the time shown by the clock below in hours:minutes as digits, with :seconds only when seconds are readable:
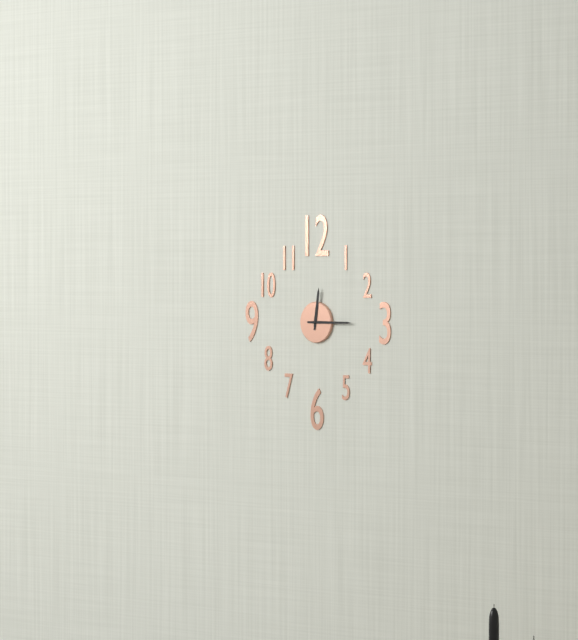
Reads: 12:15
